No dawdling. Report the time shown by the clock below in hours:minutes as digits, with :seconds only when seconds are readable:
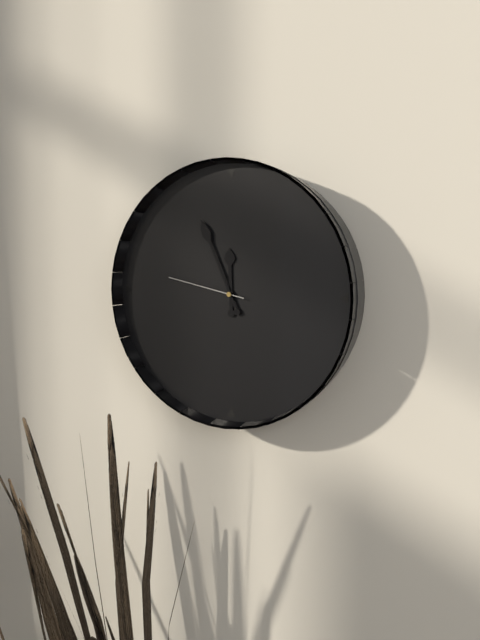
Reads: 11:56:47
